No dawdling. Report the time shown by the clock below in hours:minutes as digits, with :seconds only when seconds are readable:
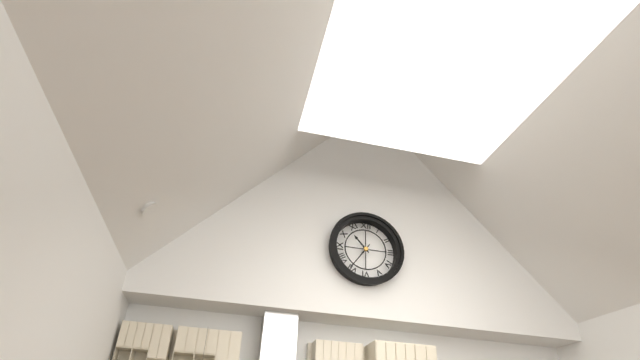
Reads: 10:36
